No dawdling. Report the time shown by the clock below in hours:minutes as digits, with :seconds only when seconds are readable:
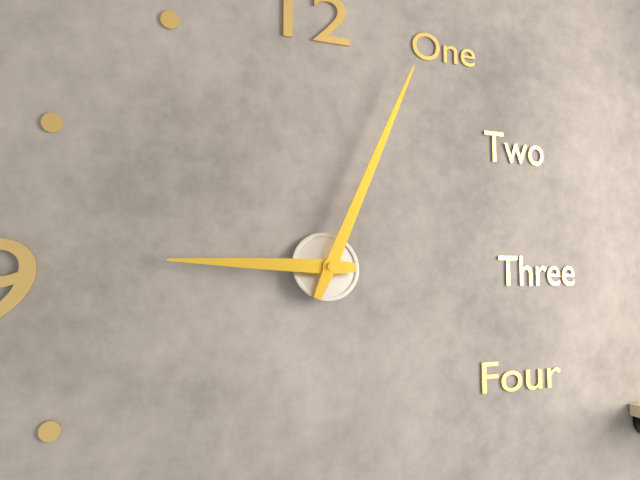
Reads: 9:04
